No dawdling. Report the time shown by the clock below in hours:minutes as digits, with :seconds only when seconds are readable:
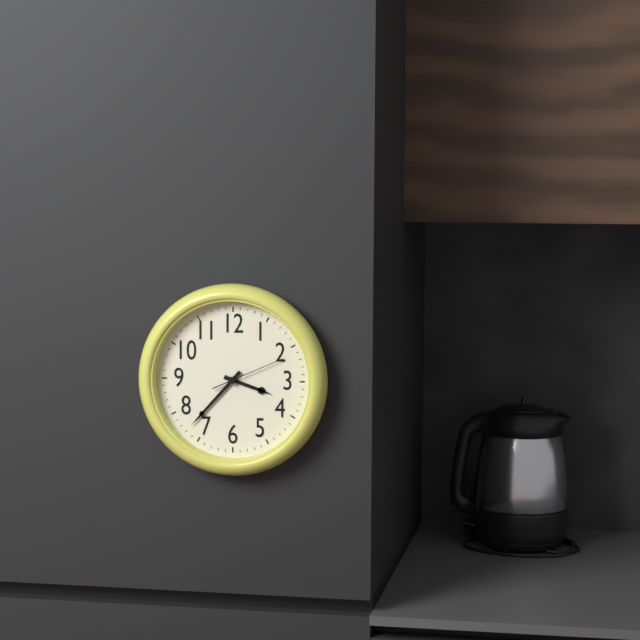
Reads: 3:37:11
